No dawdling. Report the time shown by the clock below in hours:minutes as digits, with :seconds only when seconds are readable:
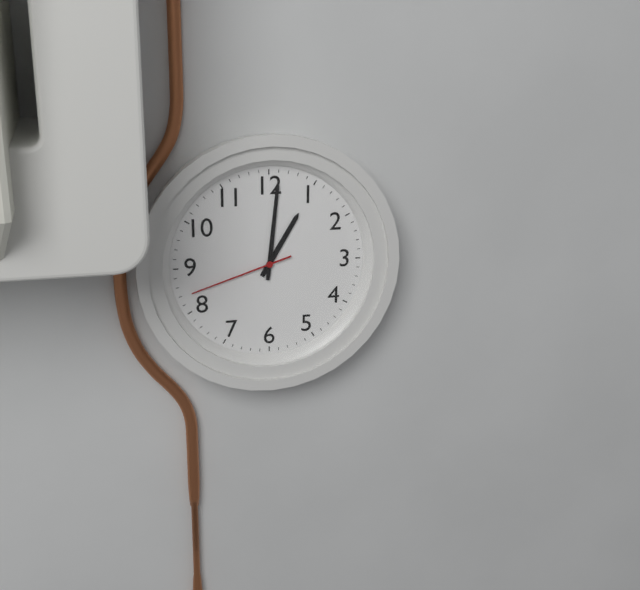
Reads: 1:01:42
